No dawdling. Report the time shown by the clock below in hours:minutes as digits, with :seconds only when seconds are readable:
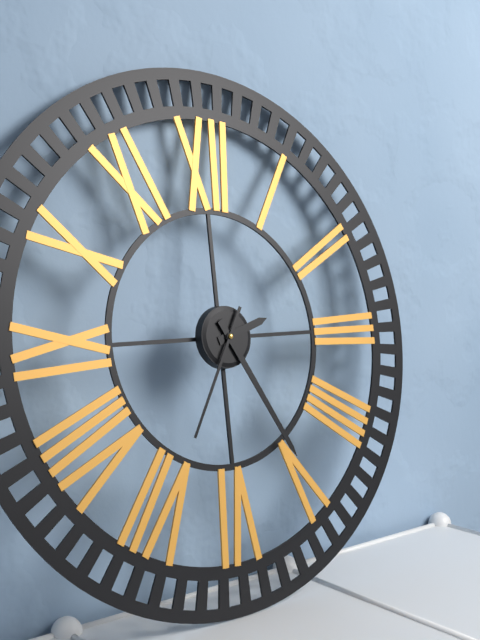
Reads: 2:25:35
